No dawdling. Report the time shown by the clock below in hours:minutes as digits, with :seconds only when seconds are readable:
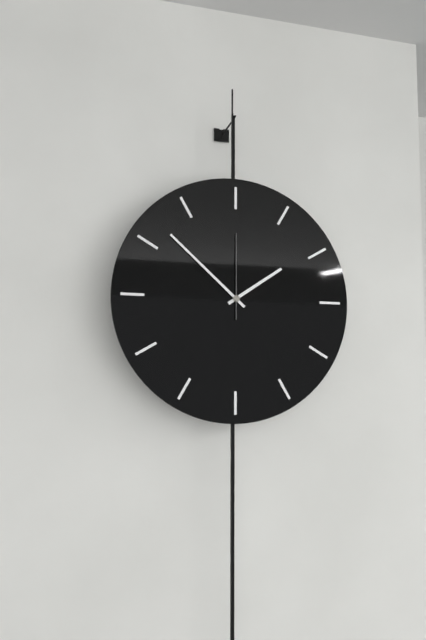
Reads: 1:52:00
